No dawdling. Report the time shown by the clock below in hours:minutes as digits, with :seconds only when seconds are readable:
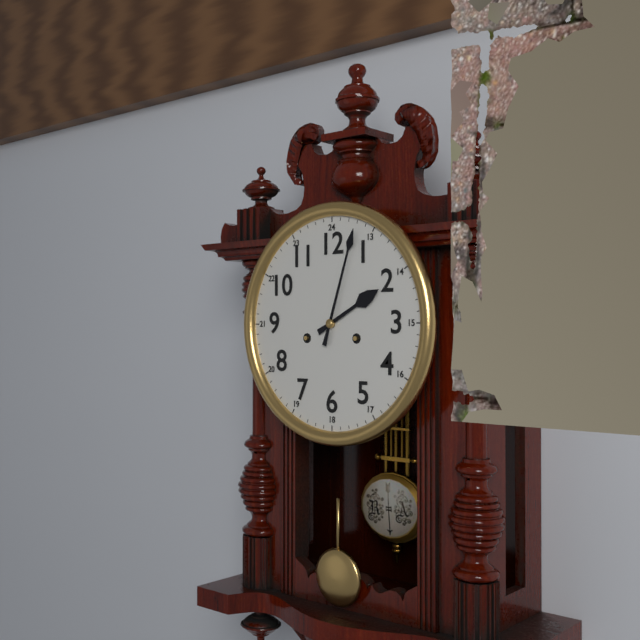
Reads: 2:03
